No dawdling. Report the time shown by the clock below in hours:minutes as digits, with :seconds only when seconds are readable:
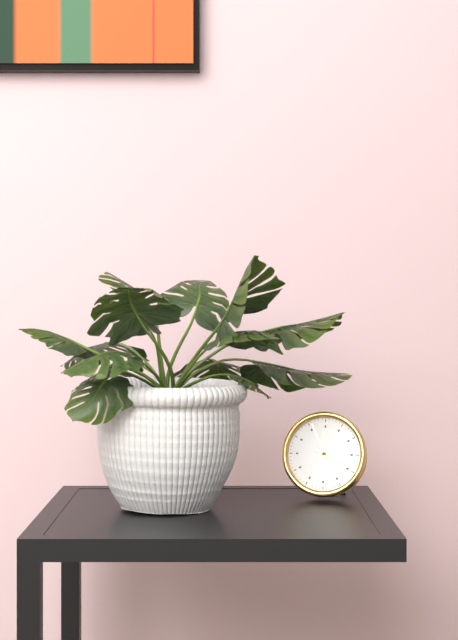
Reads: 11:56
